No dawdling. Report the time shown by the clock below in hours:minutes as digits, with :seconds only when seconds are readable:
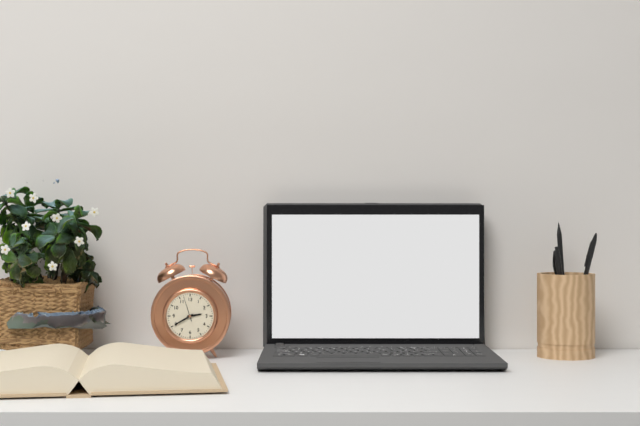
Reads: 2:40
